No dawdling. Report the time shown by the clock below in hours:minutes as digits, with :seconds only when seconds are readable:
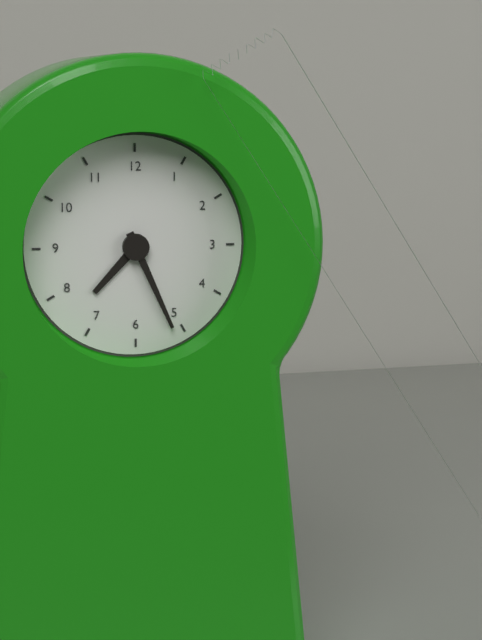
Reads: 7:26
